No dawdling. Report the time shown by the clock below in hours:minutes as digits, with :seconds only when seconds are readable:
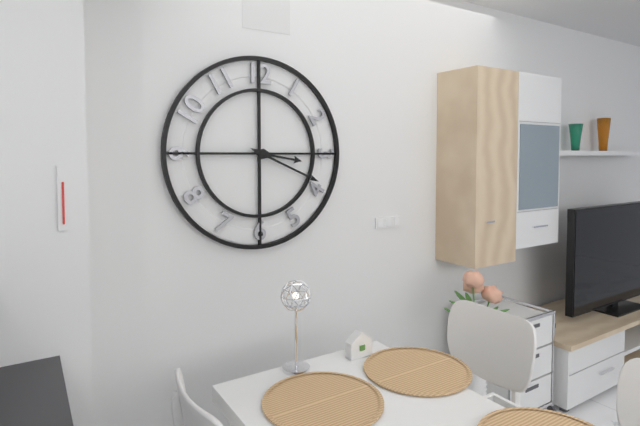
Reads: 3:19
